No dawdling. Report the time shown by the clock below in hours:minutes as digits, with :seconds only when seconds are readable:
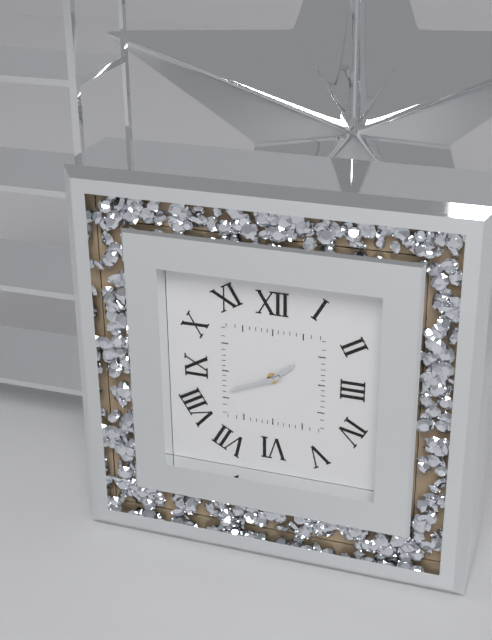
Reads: 1:41
